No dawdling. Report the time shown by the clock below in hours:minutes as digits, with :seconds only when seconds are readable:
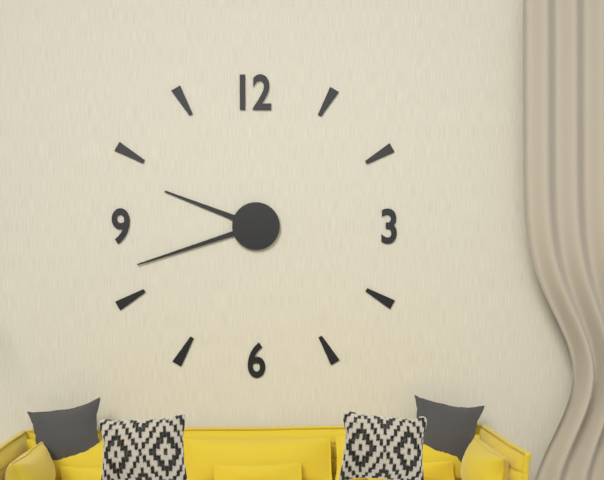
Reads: 9:42
